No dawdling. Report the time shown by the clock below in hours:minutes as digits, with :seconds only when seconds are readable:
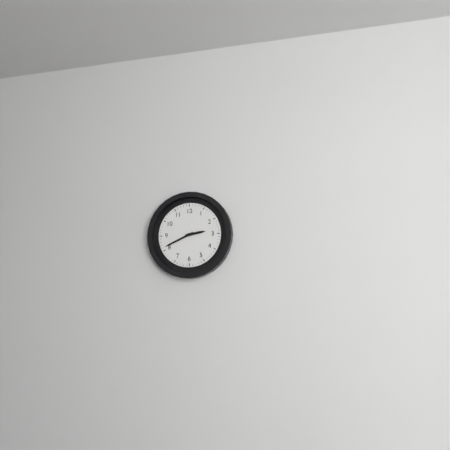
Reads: 2:41
